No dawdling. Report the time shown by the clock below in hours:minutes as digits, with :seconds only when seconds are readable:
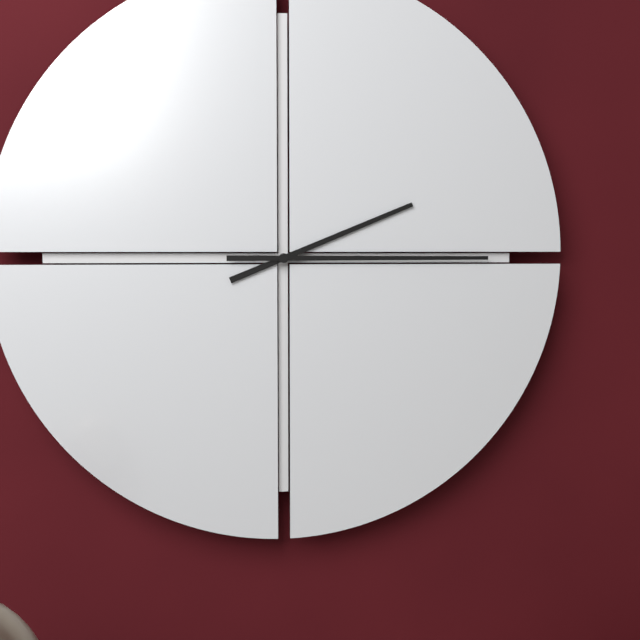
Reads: 2:15
